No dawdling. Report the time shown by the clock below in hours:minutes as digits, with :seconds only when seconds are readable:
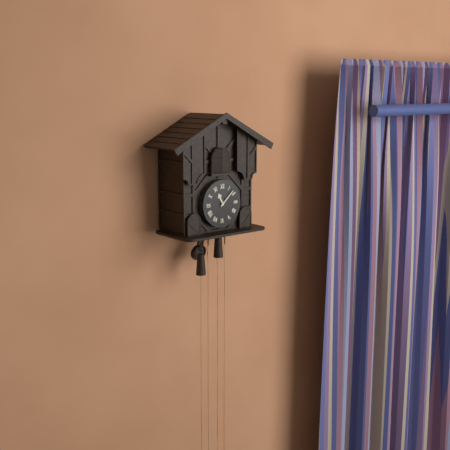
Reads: 11:08
